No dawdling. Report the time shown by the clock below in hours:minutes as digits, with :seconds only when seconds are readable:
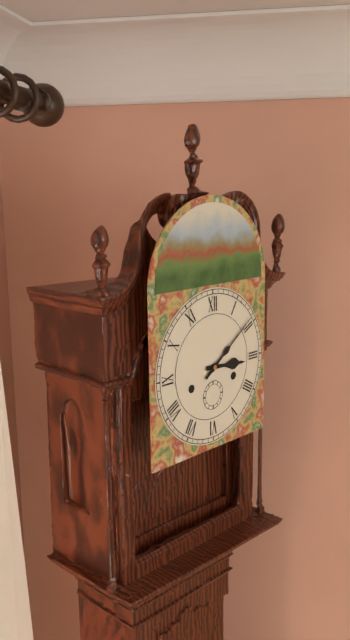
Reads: 3:09
